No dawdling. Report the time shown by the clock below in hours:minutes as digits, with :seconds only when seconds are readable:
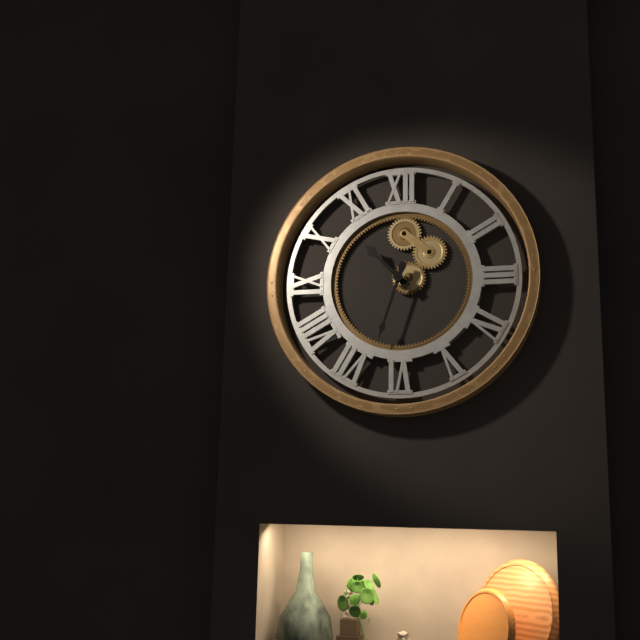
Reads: 10:33
